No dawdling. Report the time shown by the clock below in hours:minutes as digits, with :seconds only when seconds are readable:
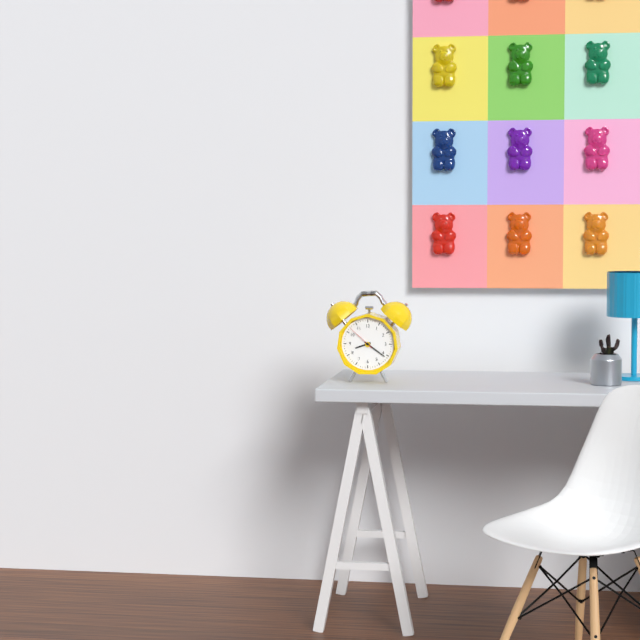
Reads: 8:21
